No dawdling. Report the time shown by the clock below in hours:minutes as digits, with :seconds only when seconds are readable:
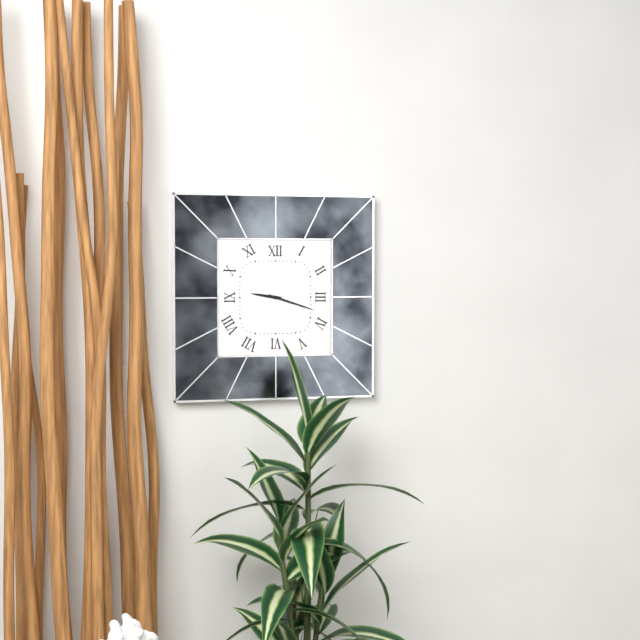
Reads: 9:18
